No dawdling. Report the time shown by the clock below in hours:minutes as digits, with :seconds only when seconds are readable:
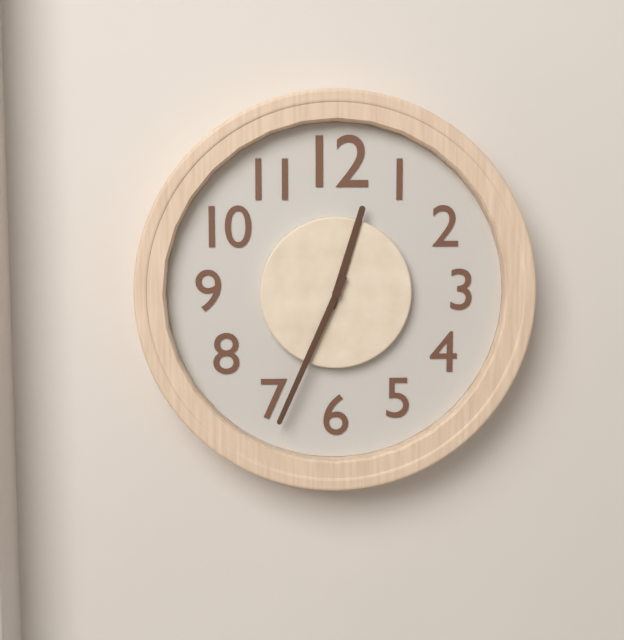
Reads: 12:34
